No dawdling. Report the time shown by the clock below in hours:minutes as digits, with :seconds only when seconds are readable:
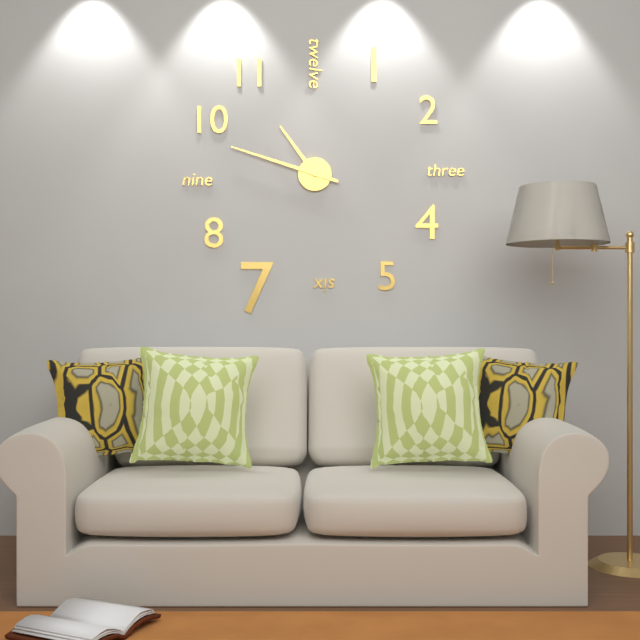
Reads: 10:48
